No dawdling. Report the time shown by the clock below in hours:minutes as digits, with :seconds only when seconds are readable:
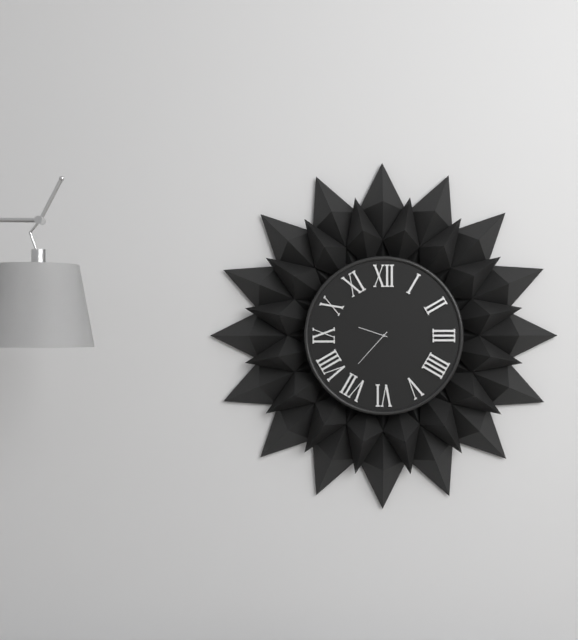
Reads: 9:37
